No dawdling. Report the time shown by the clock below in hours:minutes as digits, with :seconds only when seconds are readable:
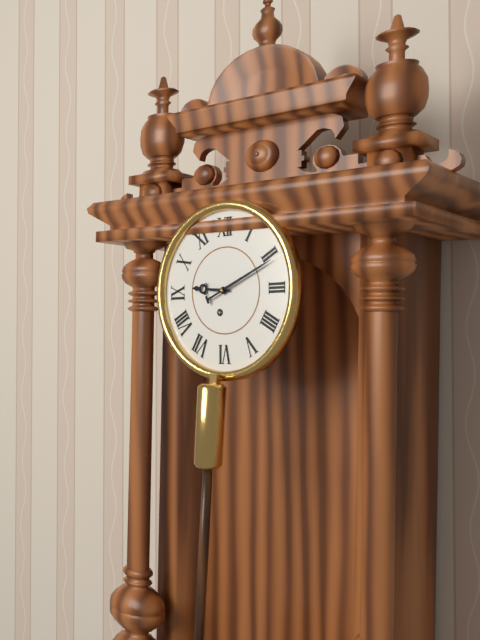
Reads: 9:11
